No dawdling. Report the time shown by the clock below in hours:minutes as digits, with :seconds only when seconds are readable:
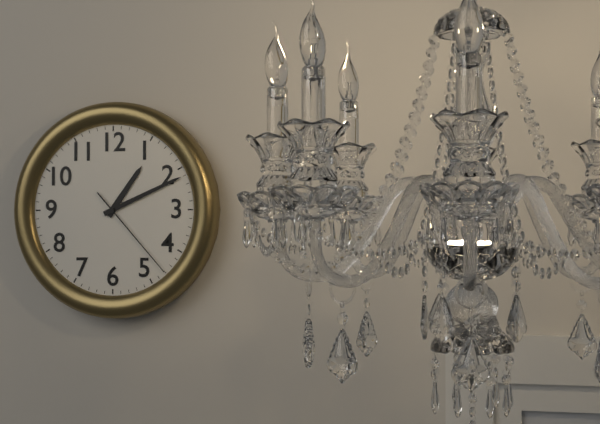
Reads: 1:11:23
